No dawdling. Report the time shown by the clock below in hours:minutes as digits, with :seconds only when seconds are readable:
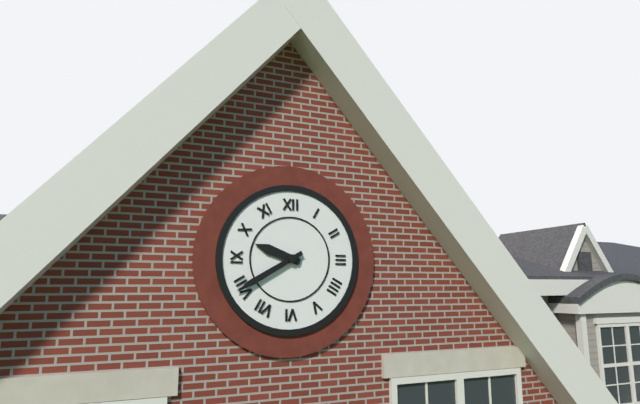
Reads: 9:40
